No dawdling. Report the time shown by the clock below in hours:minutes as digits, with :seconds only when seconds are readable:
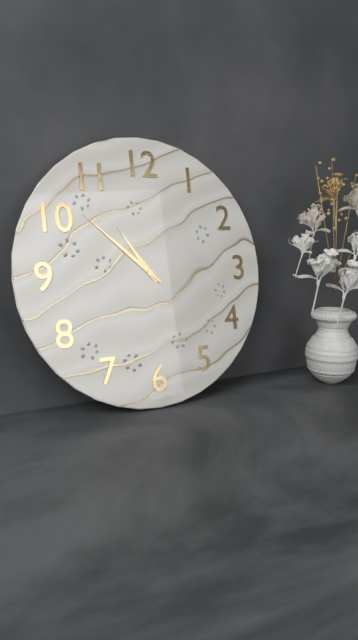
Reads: 10:52
